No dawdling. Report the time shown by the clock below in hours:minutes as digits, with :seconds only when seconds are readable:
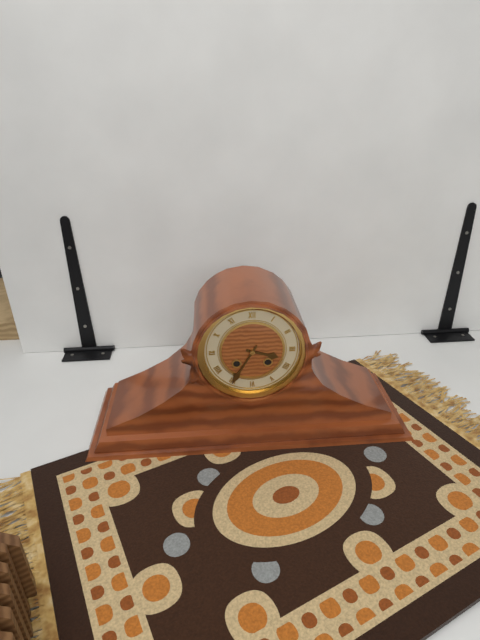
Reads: 3:35
